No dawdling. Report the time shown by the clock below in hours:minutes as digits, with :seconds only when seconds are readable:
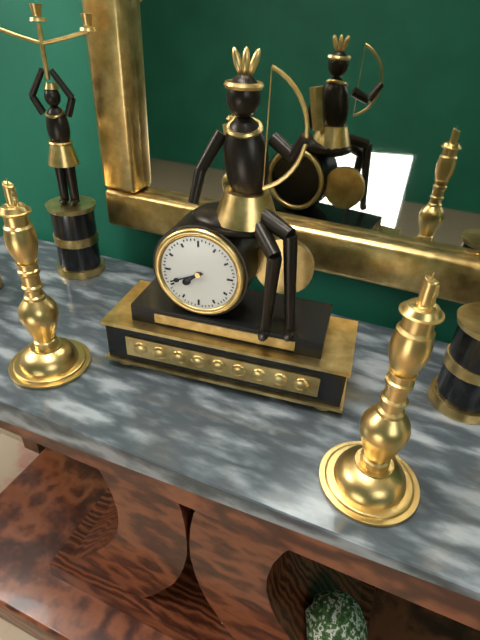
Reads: 7:41
